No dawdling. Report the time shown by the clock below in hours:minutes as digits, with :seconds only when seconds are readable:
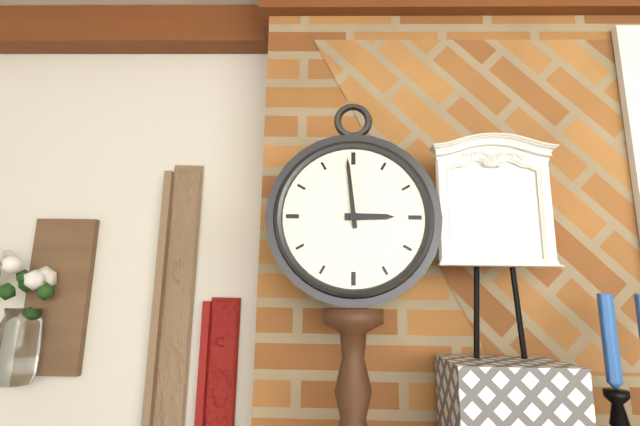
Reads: 2:59
